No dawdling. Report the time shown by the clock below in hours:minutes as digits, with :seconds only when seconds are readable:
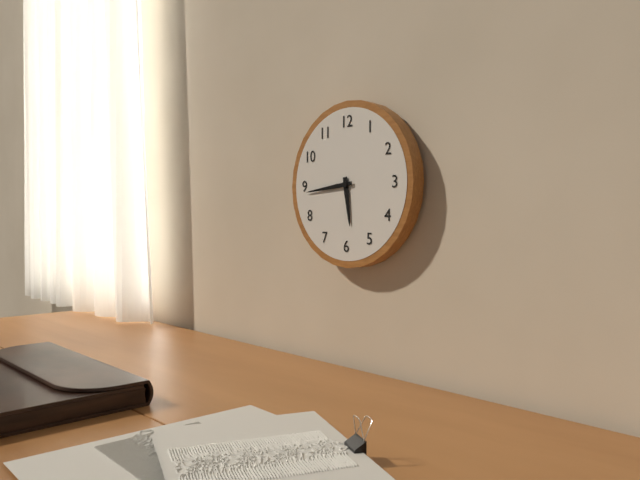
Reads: 5:44
